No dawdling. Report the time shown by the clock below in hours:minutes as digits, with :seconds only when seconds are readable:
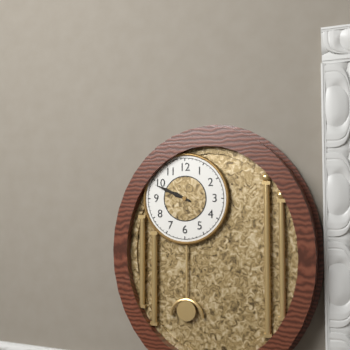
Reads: 9:49
